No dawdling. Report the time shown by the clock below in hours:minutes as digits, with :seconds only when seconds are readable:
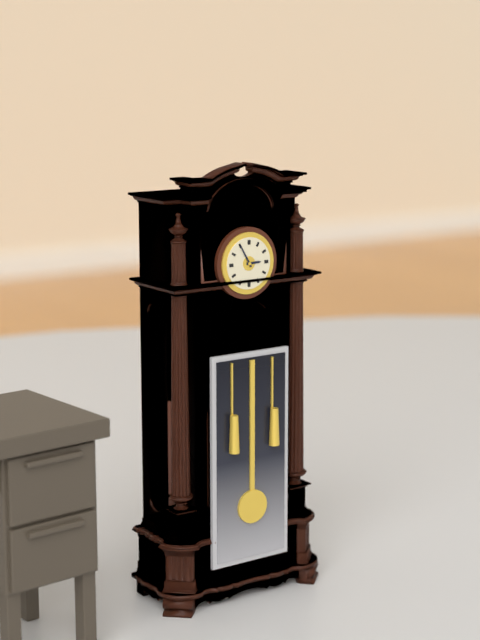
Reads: 2:55
